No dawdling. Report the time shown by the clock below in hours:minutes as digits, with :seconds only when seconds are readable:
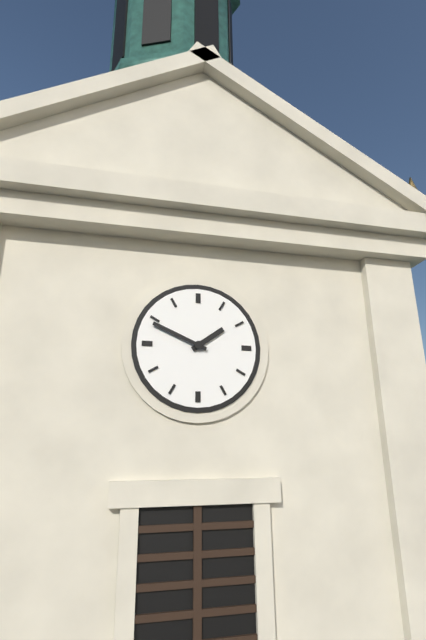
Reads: 1:49
